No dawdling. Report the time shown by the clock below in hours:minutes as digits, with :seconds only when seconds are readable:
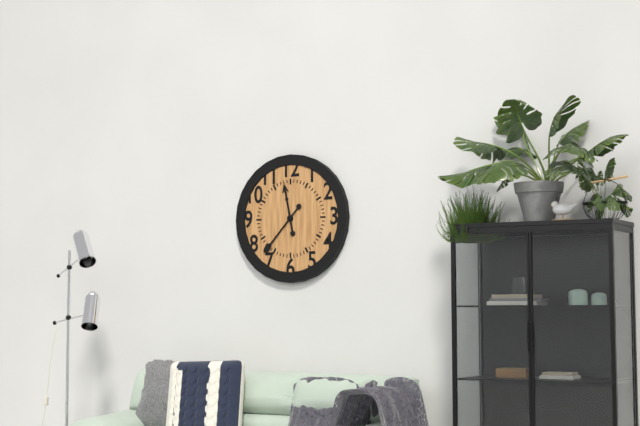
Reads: 11:37
